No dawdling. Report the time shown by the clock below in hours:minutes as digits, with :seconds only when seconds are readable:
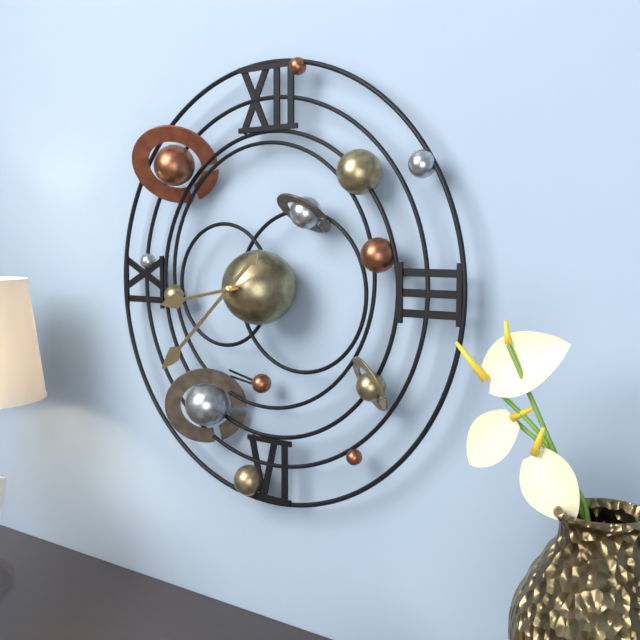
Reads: 8:38
